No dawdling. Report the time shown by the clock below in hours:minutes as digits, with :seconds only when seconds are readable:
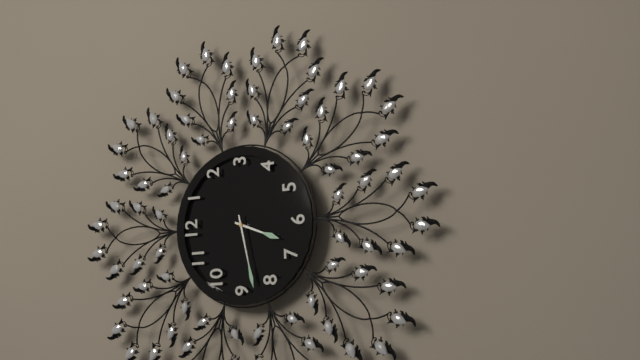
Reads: 6:43
